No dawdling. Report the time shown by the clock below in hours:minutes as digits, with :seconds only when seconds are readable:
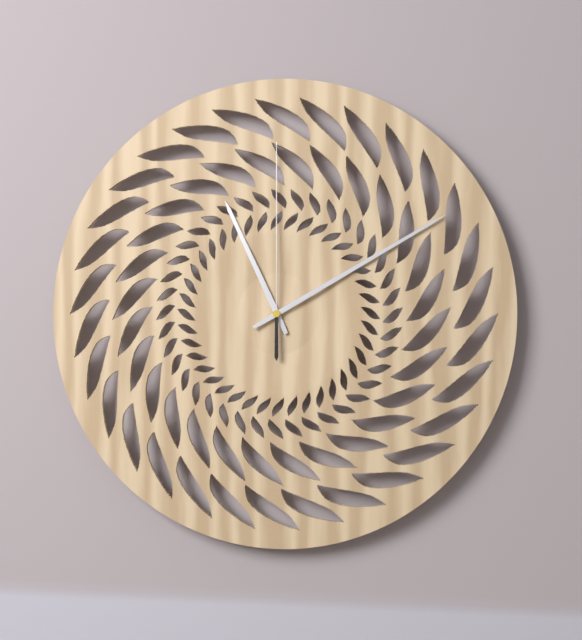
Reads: 11:10:00
